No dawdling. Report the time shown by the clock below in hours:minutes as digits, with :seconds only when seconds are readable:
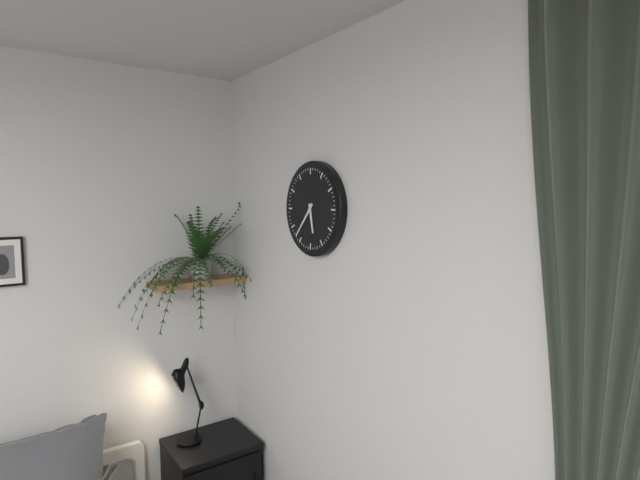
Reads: 5:37
